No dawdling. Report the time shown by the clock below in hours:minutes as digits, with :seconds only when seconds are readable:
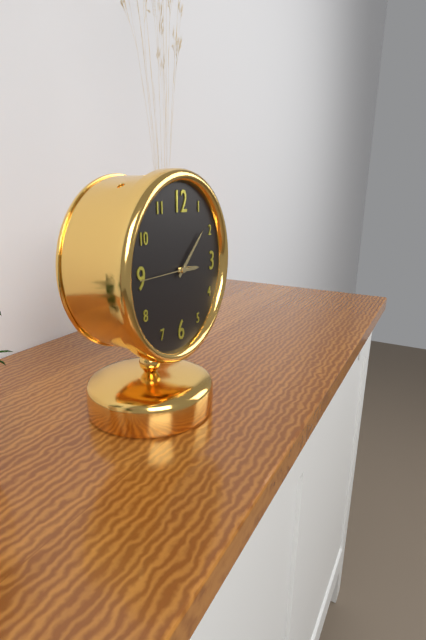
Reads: 3:08:45
